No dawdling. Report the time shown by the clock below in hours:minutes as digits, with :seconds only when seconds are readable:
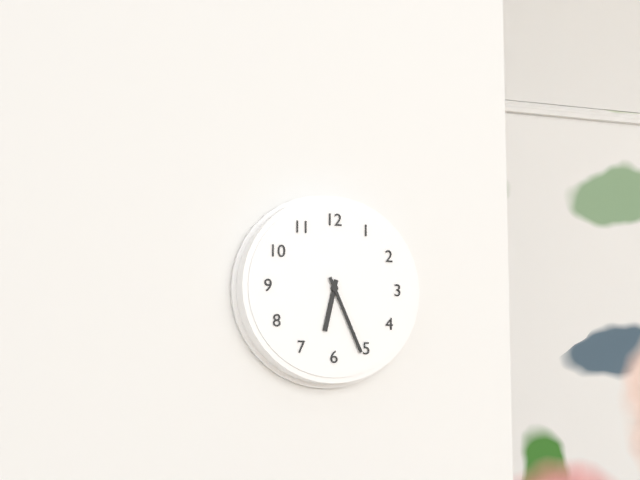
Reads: 6:26
